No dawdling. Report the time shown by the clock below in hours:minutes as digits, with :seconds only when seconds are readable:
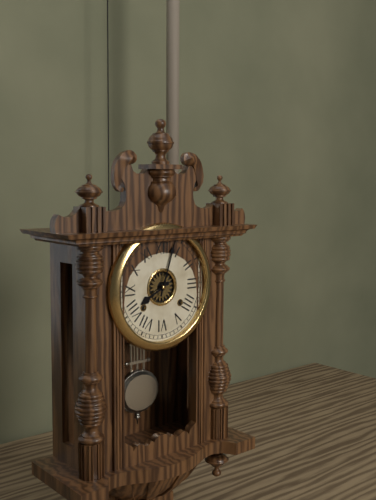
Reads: 8:03
